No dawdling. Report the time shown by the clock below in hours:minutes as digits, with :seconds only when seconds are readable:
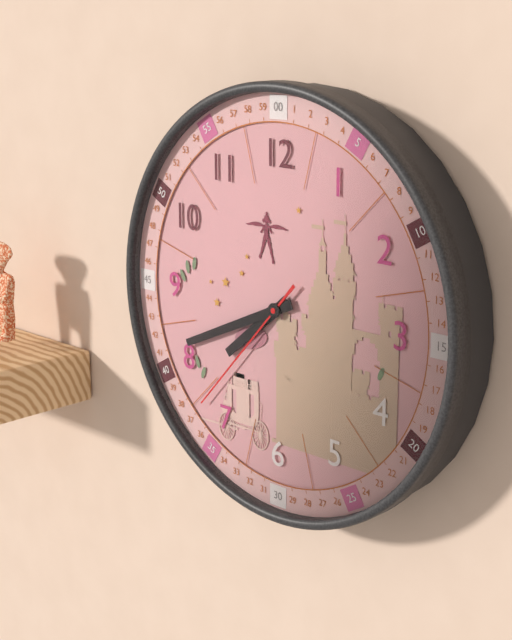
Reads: 7:41:37
